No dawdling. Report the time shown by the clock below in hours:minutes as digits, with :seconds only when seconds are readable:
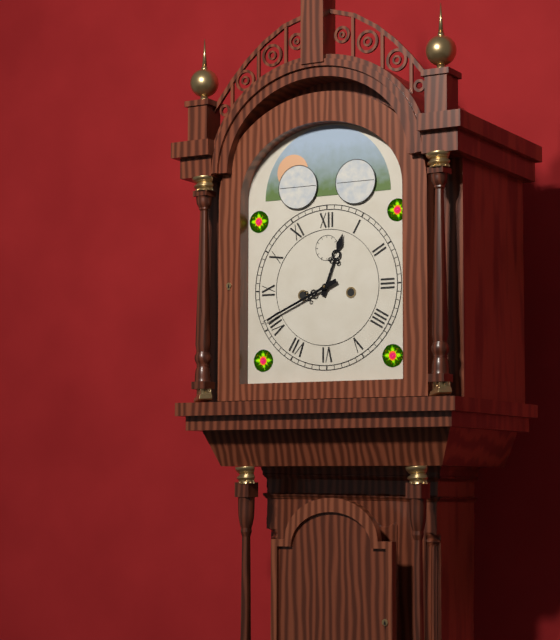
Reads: 12:41
